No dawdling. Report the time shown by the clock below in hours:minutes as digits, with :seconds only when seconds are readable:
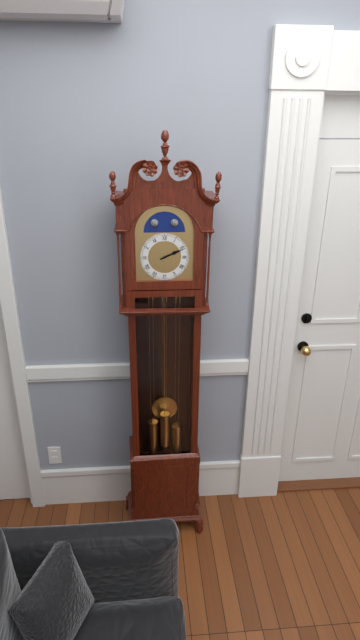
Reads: 2:11
